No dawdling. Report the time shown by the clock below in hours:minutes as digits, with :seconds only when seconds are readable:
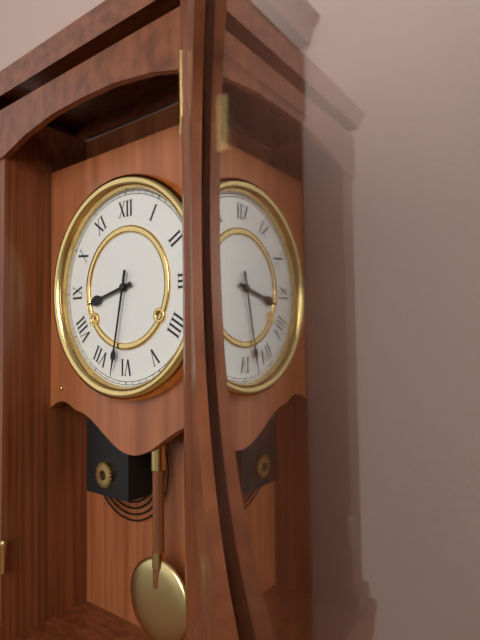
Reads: 8:32
